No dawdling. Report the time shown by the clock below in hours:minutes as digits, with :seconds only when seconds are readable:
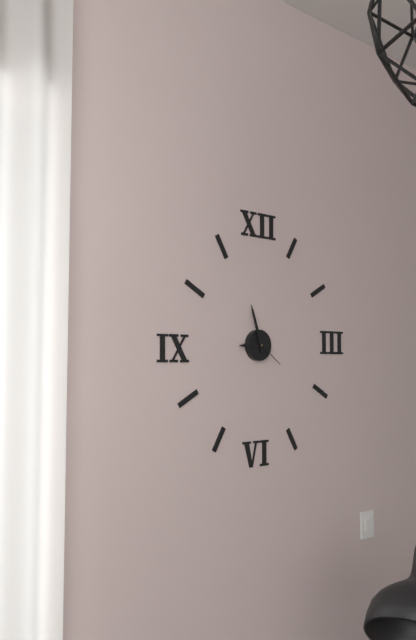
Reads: 8:57
